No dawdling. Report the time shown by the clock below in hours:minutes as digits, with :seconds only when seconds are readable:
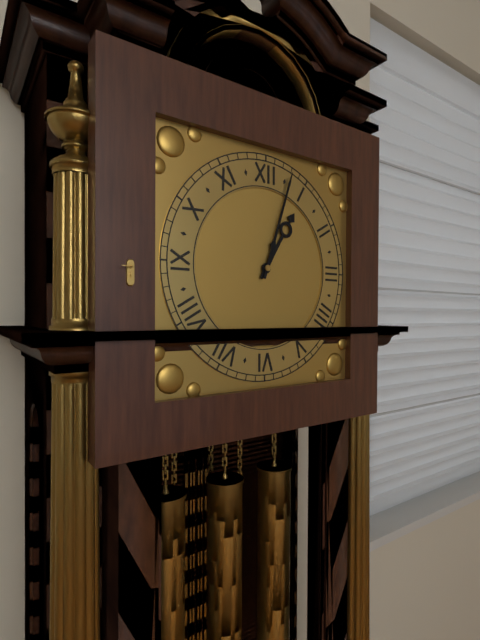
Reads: 1:03
